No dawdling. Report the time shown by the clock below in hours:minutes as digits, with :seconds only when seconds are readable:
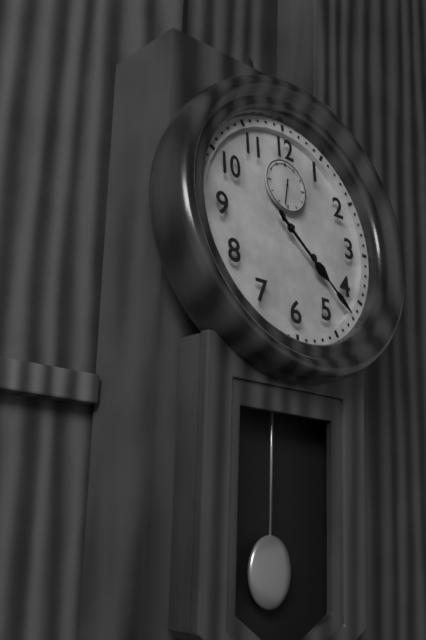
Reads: 4:22
